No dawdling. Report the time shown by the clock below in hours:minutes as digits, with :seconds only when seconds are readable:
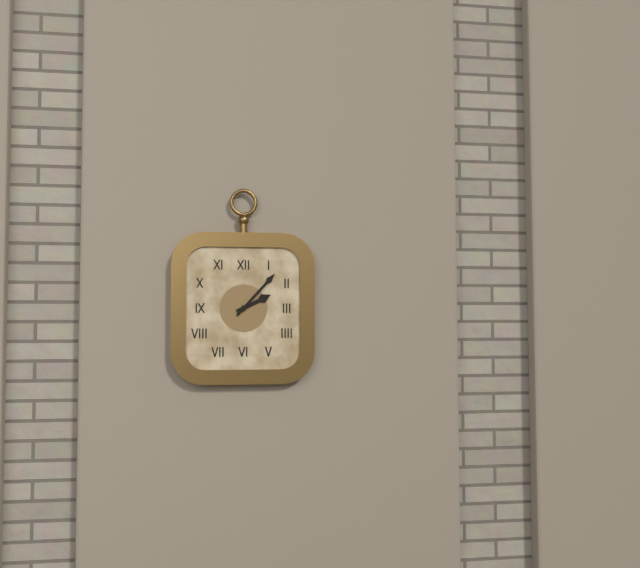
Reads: 2:07
